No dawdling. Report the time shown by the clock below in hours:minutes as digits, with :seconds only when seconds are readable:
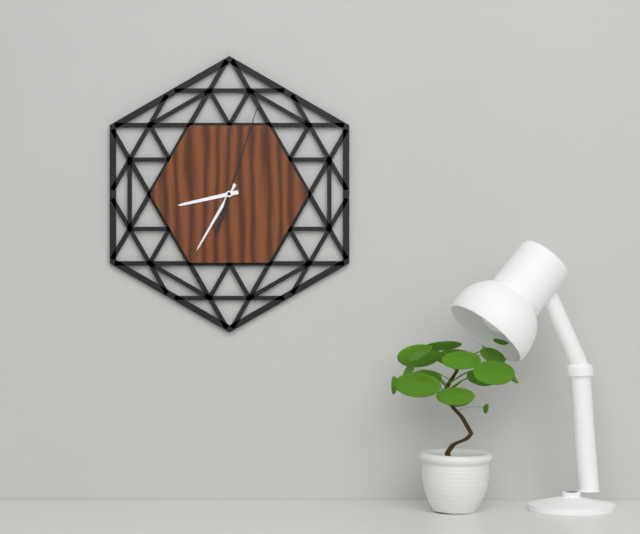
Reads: 8:35:03
